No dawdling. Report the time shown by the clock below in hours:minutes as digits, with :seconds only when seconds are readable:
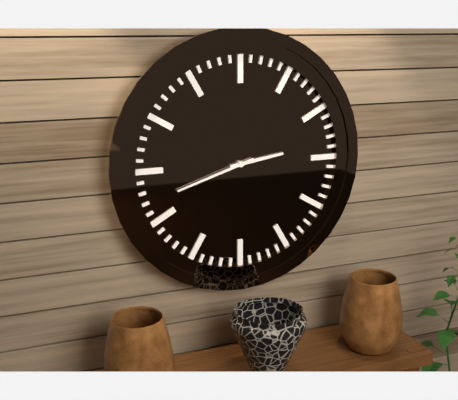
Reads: 2:42
